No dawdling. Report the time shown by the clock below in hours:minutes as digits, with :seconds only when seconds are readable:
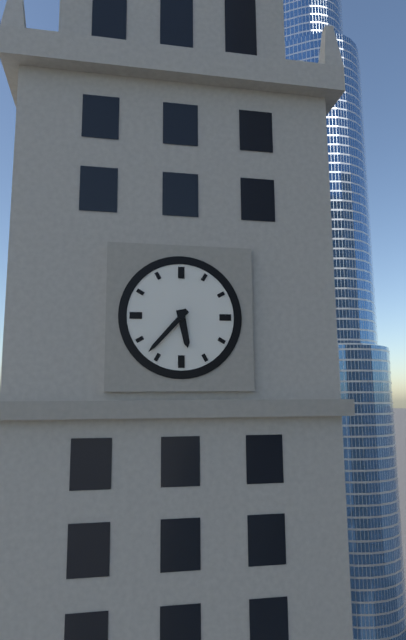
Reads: 5:37
